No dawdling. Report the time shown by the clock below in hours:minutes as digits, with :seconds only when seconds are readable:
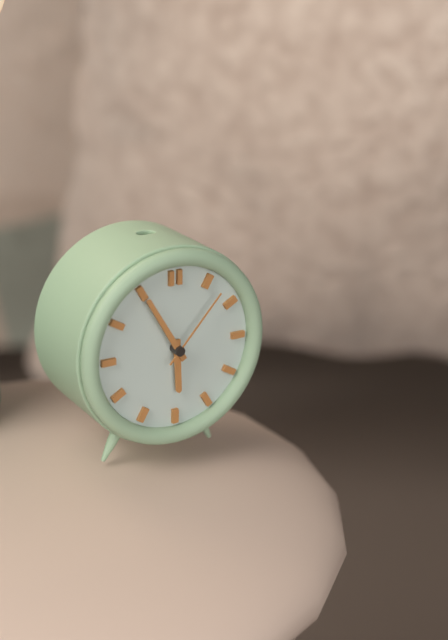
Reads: 5:55:07
